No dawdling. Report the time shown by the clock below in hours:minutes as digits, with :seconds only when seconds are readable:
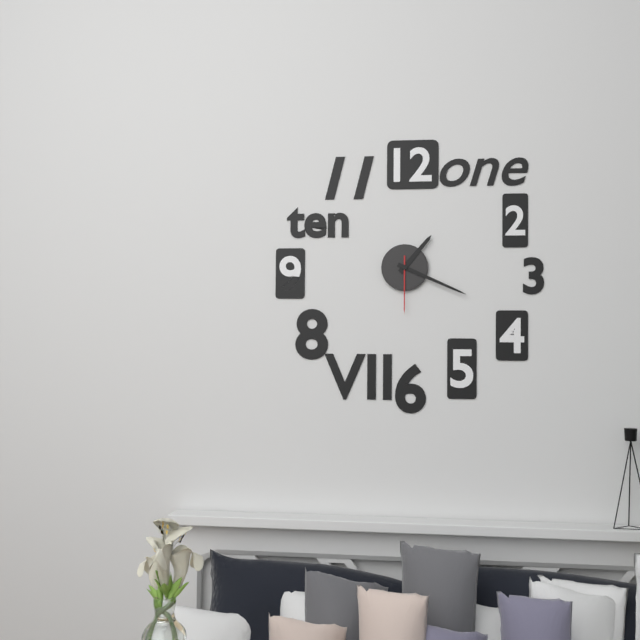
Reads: 1:19:30
